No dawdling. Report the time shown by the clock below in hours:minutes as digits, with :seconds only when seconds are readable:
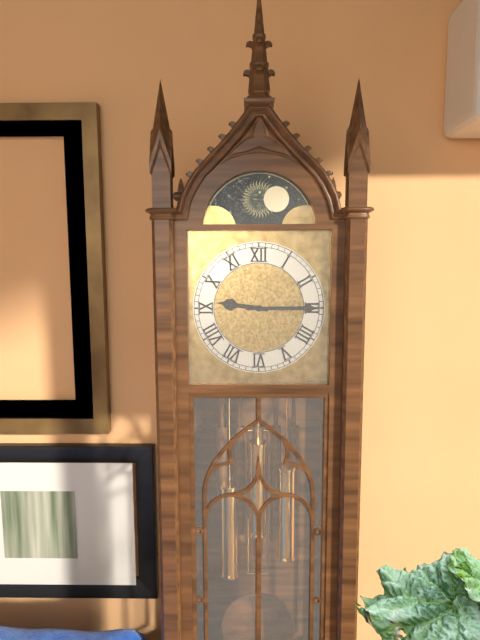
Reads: 9:15
